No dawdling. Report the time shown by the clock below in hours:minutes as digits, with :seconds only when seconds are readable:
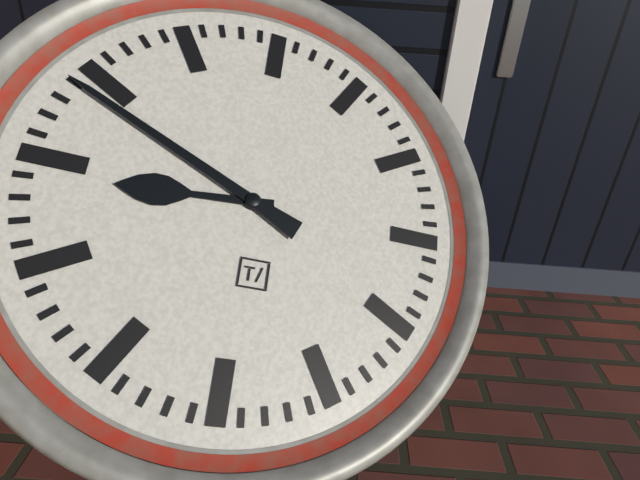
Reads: 8:49
